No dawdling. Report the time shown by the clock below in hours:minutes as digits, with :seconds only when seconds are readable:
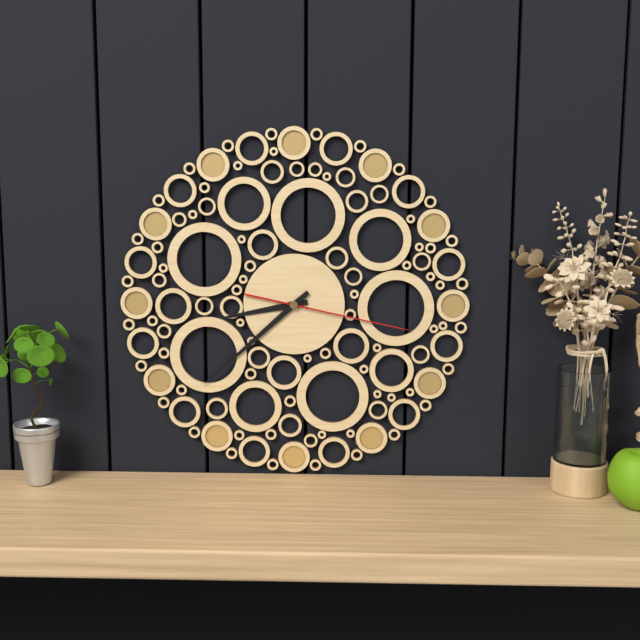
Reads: 8:38:17
